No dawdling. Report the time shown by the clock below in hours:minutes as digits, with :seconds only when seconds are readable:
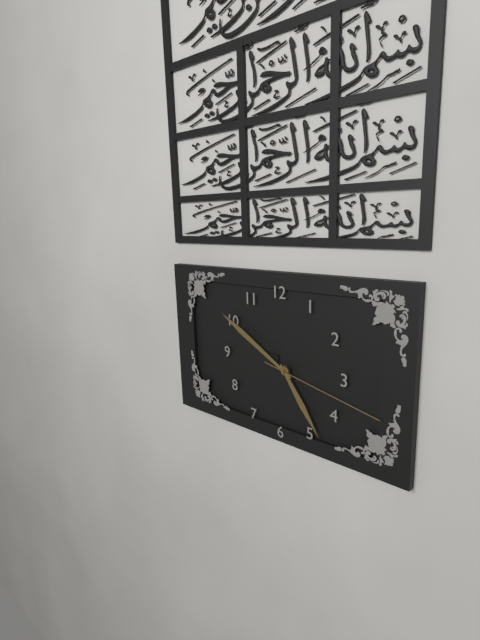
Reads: 4:50:17
